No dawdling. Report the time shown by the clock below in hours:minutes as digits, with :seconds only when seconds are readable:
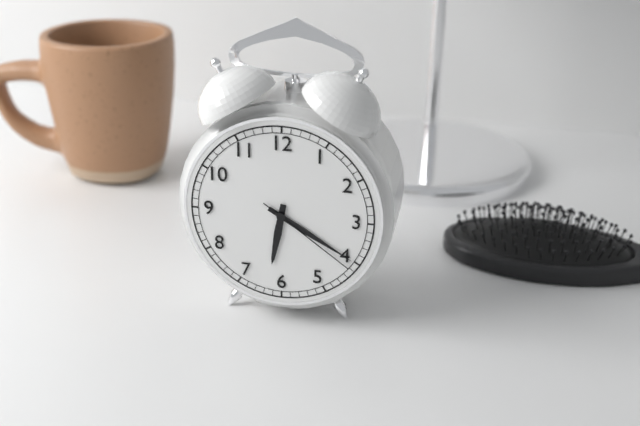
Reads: 6:20:21
